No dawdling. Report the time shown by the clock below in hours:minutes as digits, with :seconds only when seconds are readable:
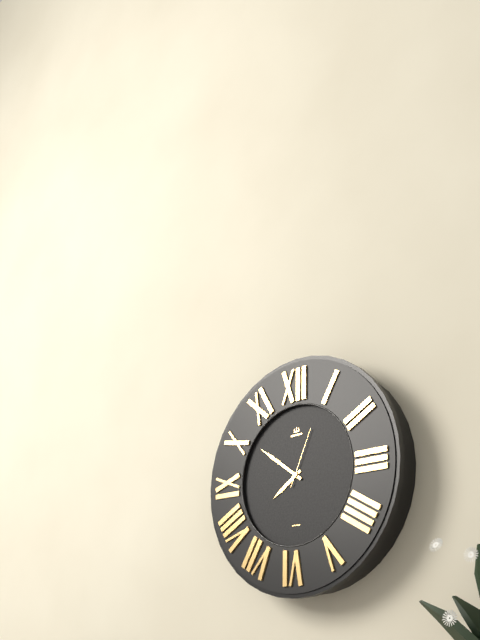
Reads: 7:51:04
